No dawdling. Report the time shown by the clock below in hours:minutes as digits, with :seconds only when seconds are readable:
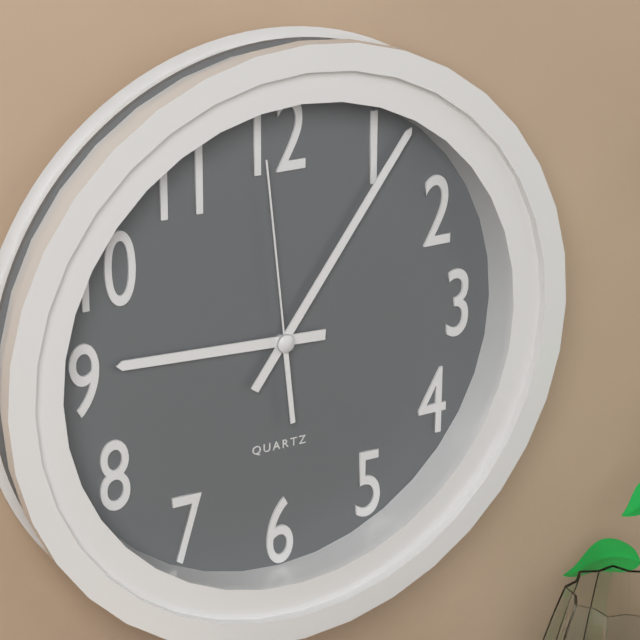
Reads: 9:06:59
